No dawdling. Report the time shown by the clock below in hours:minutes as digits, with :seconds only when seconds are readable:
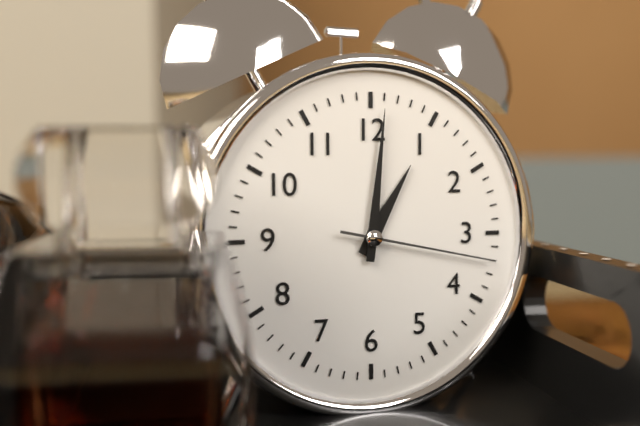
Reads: 1:01:17
